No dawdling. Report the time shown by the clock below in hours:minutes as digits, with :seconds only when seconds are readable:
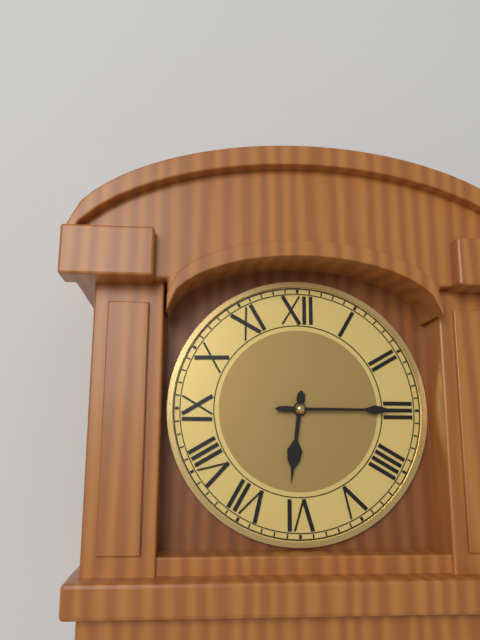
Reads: 6:15
